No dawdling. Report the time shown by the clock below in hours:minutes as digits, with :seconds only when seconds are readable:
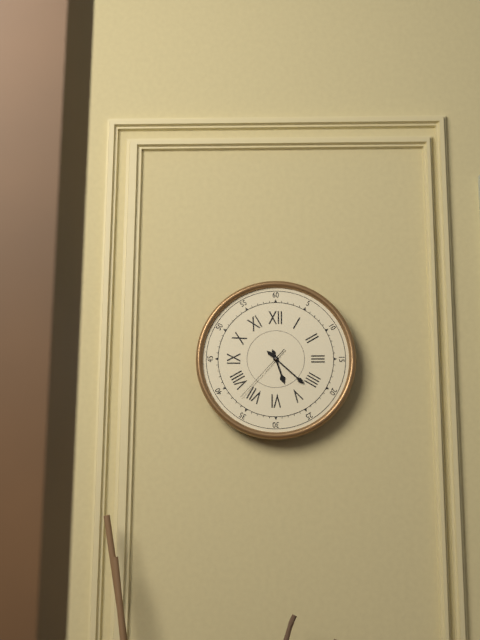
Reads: 5:22:37
